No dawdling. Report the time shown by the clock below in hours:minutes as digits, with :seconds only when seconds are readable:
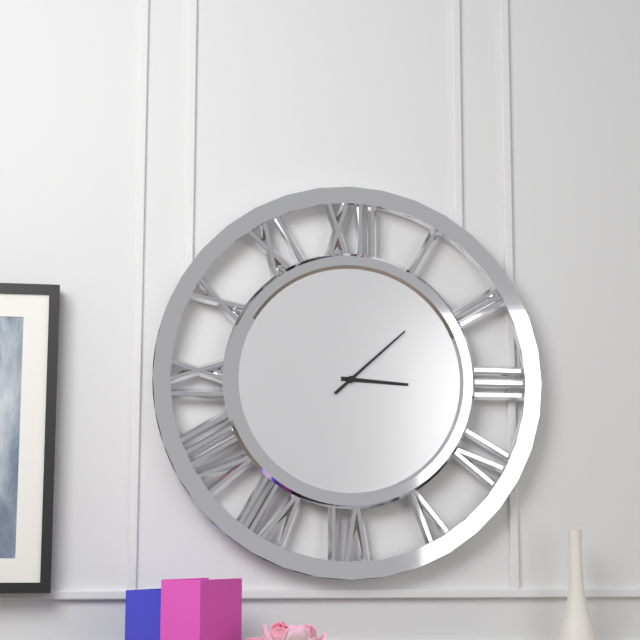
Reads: 3:08
